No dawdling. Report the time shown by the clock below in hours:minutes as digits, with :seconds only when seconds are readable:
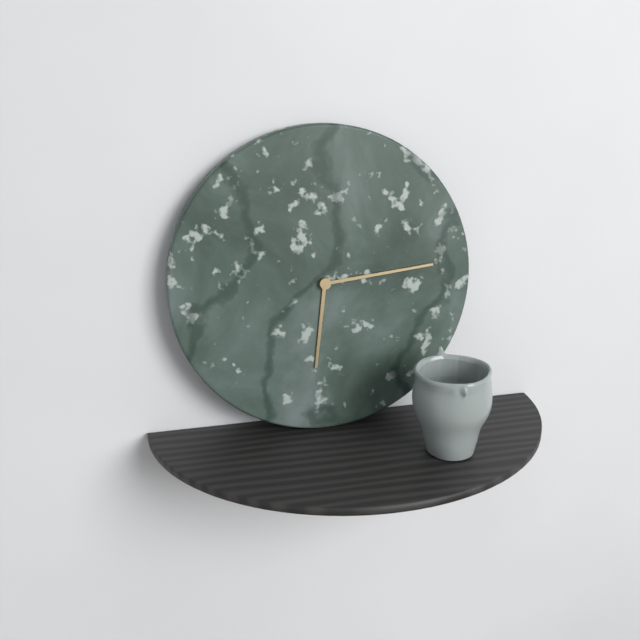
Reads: 6:14
